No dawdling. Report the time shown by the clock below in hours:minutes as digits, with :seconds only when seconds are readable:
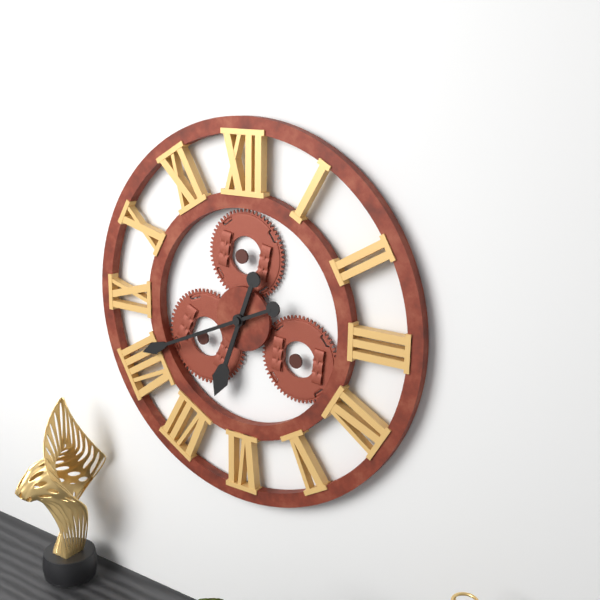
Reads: 6:41
